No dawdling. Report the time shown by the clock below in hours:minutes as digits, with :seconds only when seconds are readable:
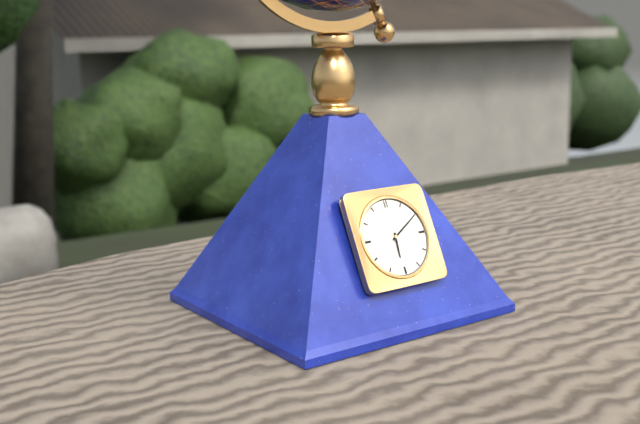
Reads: 6:10
